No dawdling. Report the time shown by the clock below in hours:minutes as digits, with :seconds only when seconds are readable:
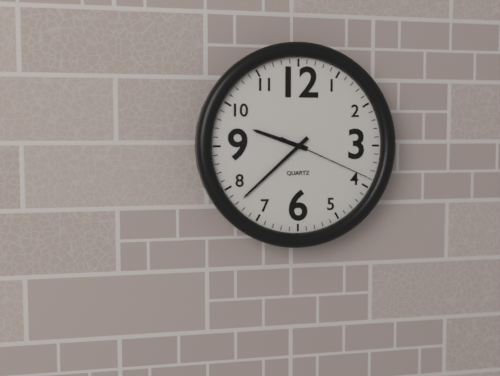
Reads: 9:38:19
